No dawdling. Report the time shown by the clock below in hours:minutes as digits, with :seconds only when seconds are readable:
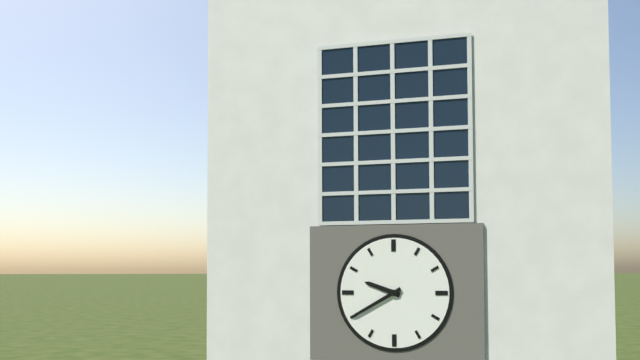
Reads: 9:40
